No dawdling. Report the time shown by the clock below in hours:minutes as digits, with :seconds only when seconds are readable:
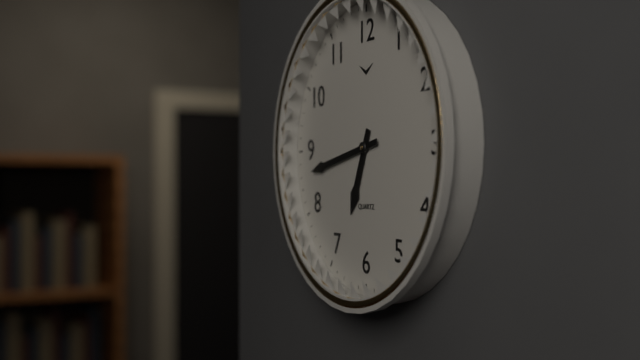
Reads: 6:43
